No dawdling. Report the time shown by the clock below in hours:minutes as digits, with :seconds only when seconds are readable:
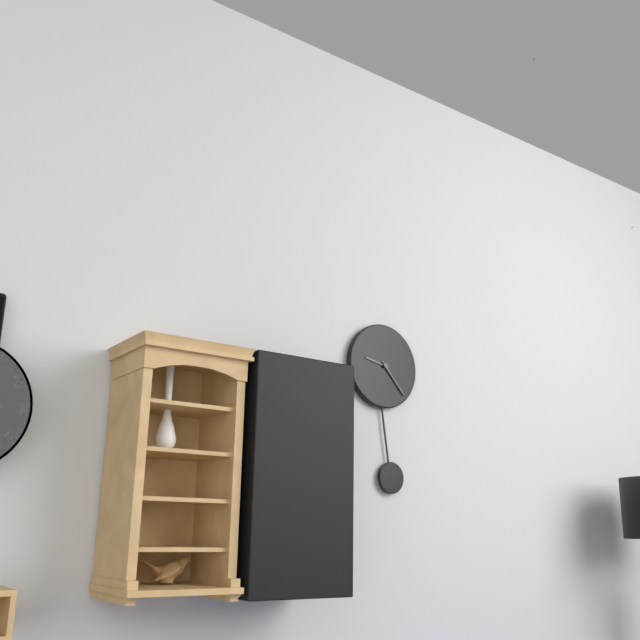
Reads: 9:23
